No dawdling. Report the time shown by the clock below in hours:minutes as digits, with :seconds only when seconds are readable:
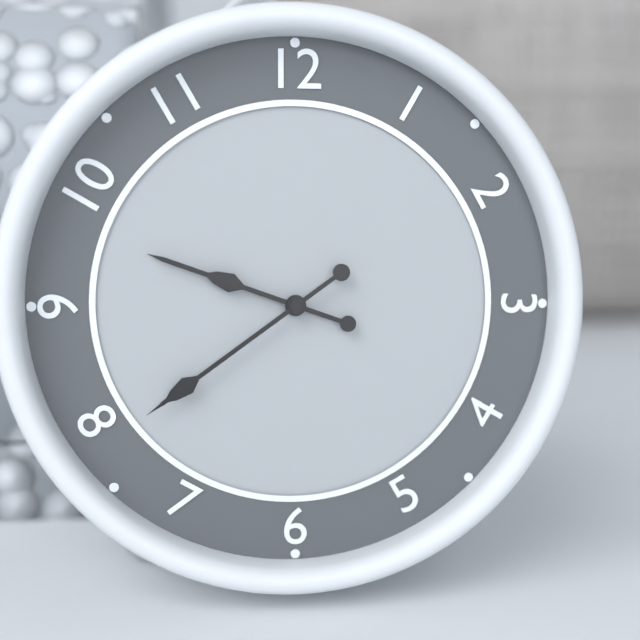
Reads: 9:39
